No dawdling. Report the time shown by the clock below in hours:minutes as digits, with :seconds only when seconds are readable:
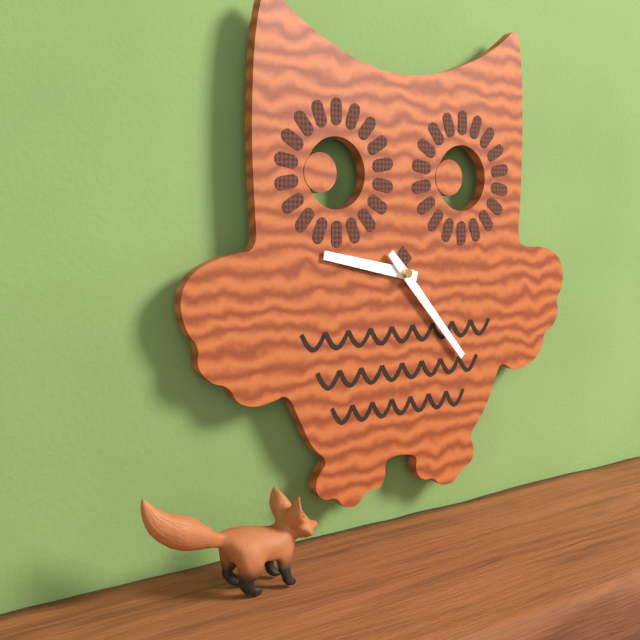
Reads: 9:23
